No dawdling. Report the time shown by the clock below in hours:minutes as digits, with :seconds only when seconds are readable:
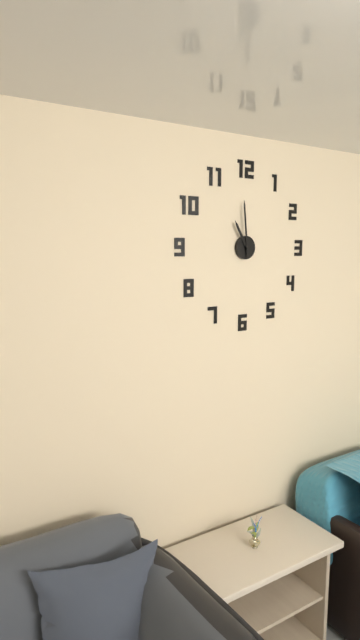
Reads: 10:59
